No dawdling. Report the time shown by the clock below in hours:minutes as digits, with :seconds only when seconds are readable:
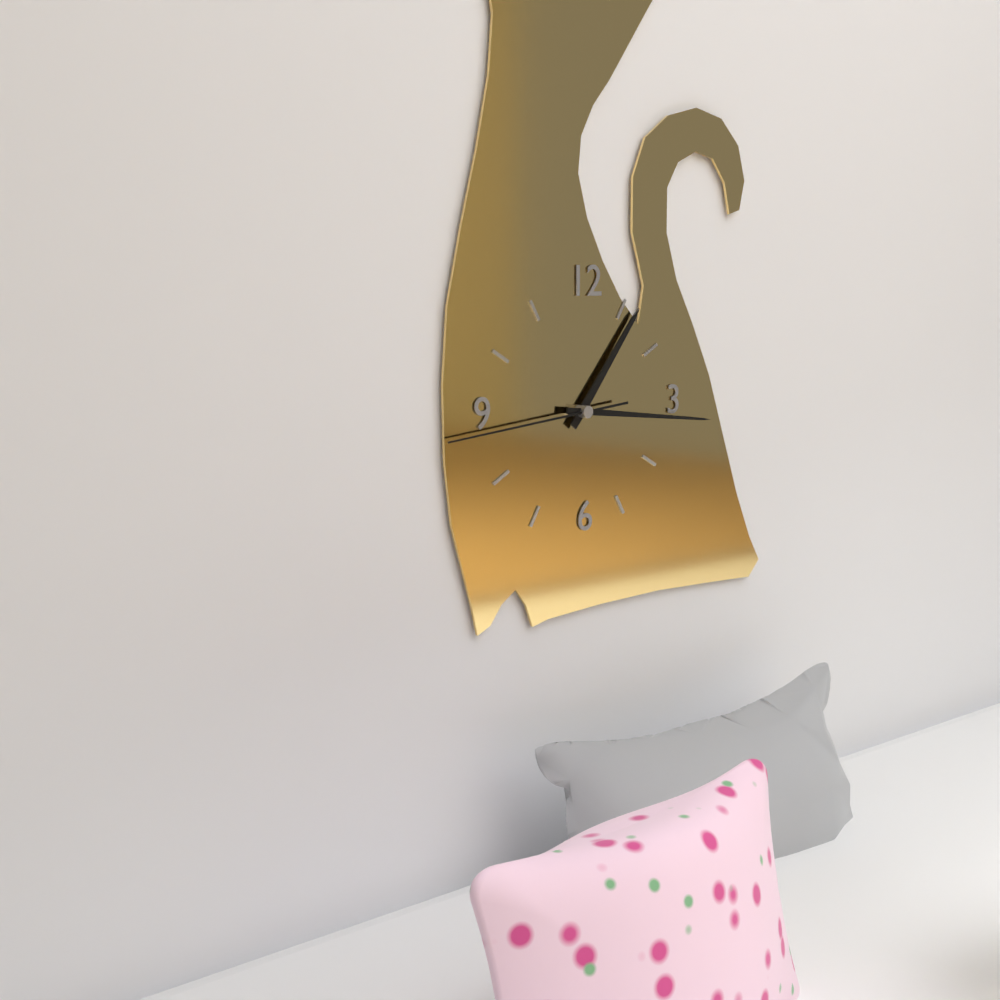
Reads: 1:16:44
